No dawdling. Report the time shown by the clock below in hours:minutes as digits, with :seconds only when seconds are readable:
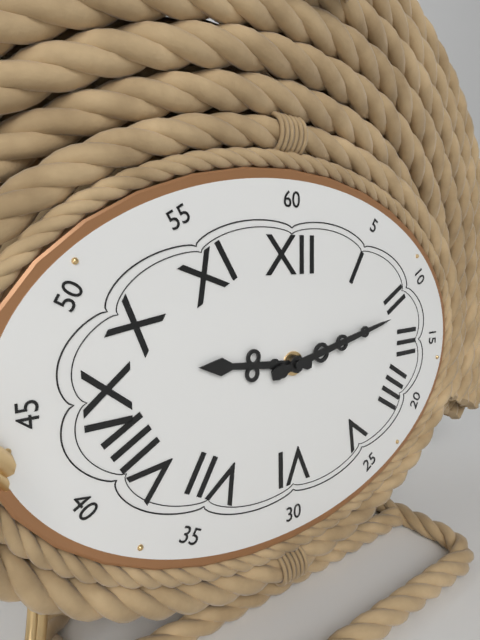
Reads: 9:13
